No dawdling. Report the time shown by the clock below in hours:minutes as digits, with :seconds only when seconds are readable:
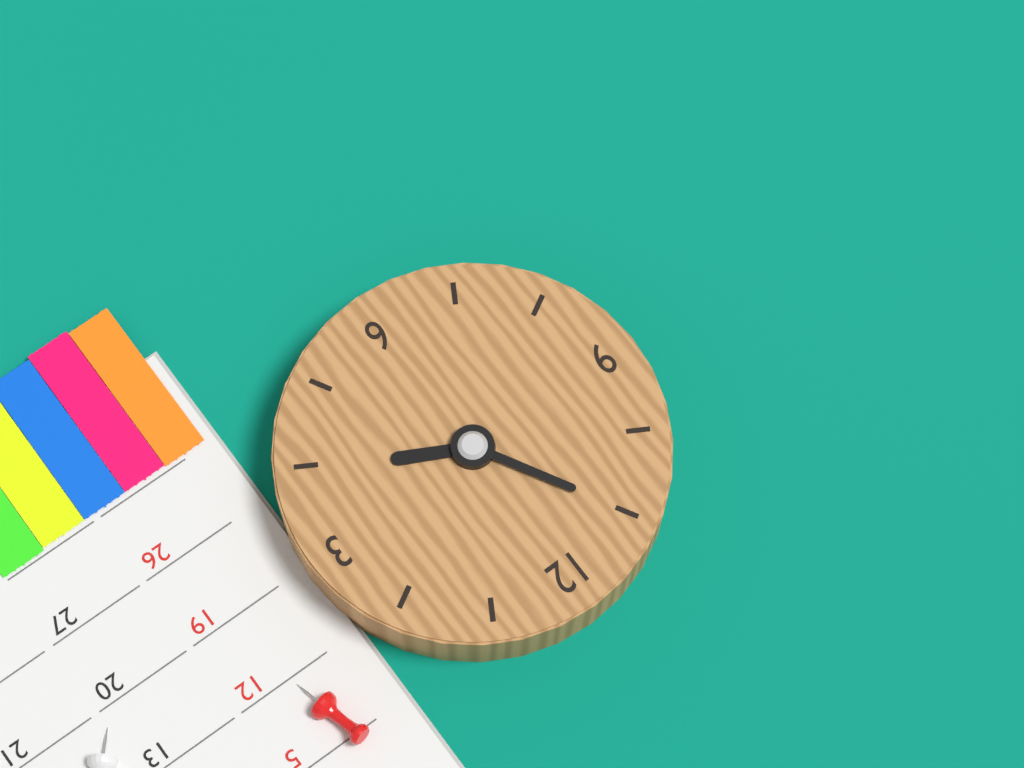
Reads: 3:55
